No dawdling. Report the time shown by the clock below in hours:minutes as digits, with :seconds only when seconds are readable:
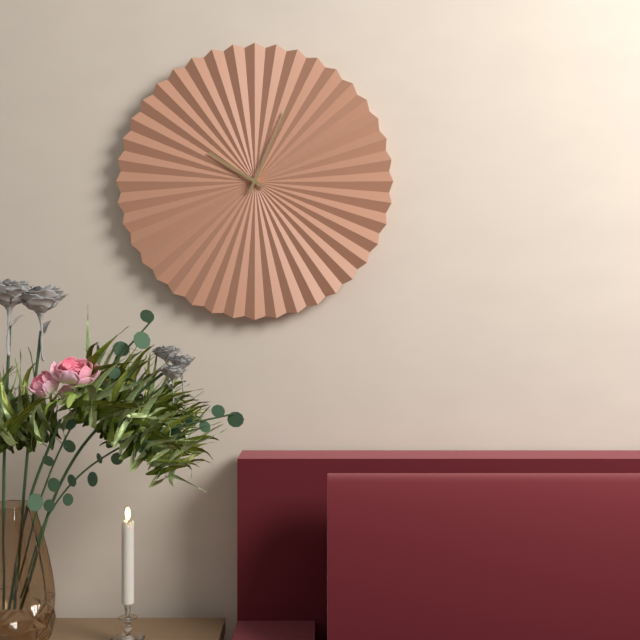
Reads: 10:04
